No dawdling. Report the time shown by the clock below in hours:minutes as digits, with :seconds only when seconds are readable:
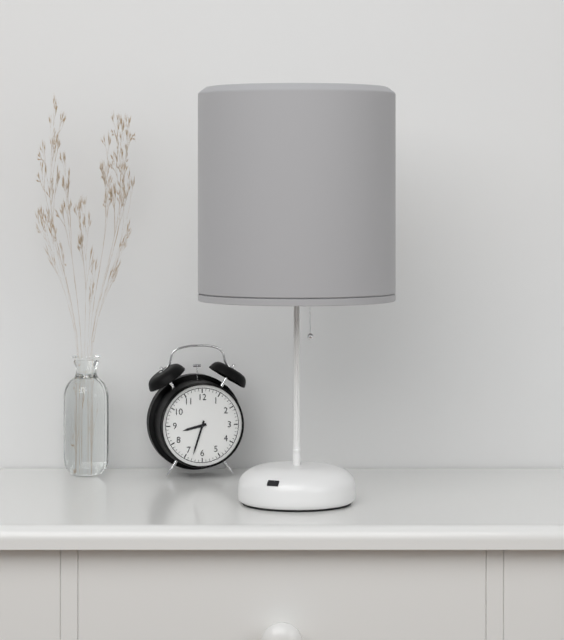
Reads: 8:33
